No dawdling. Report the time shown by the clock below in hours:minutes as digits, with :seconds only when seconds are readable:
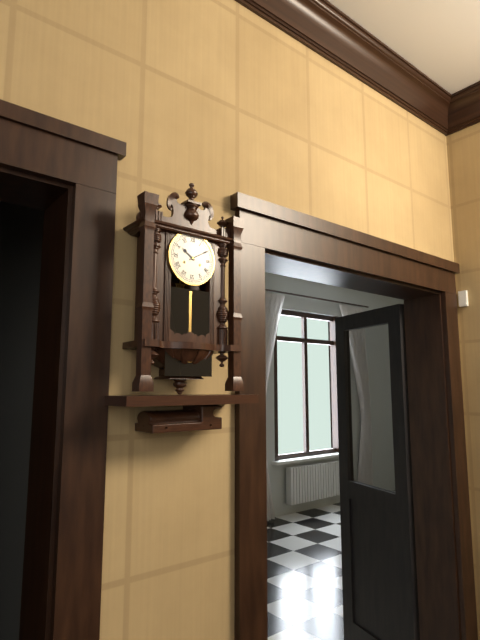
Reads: 10:10
